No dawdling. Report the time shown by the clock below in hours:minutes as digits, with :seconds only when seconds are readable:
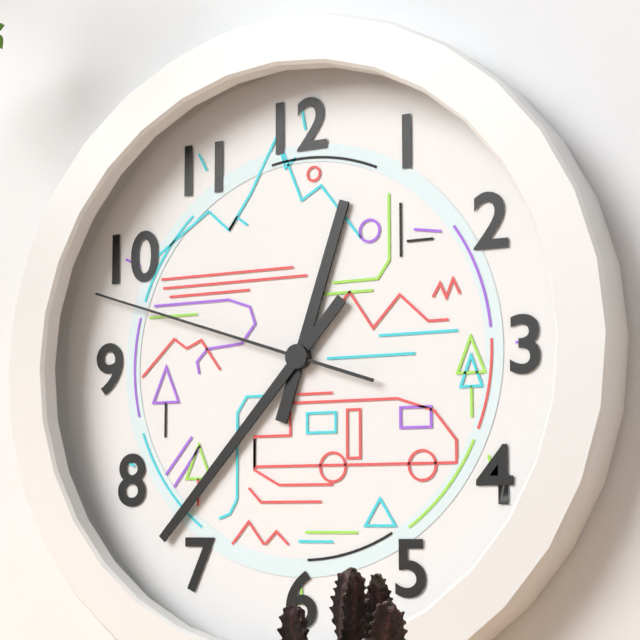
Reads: 12:37:48
